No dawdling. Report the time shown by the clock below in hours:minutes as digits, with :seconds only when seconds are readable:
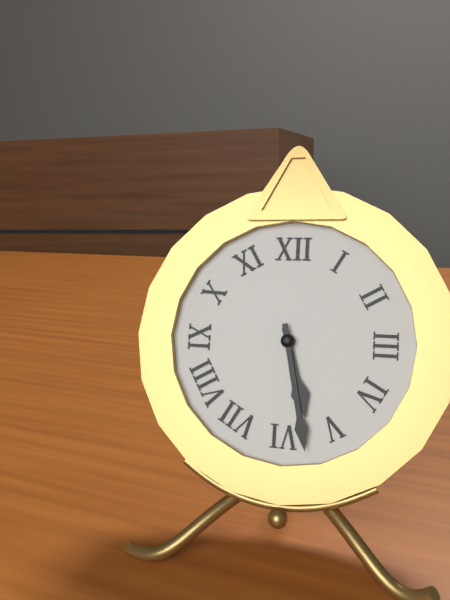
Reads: 5:28
